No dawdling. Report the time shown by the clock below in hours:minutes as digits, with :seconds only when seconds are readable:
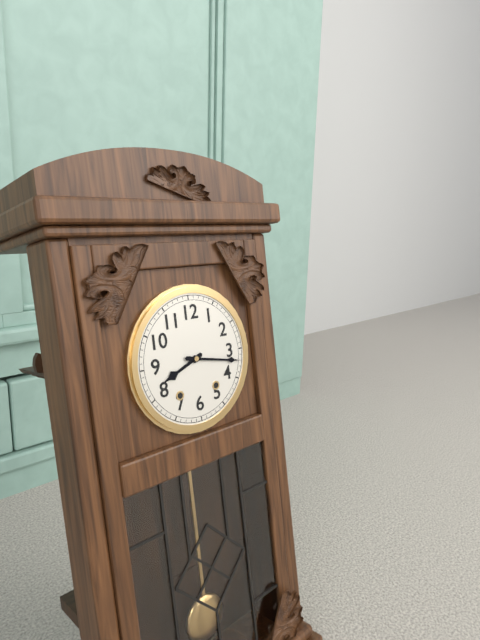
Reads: 8:17
